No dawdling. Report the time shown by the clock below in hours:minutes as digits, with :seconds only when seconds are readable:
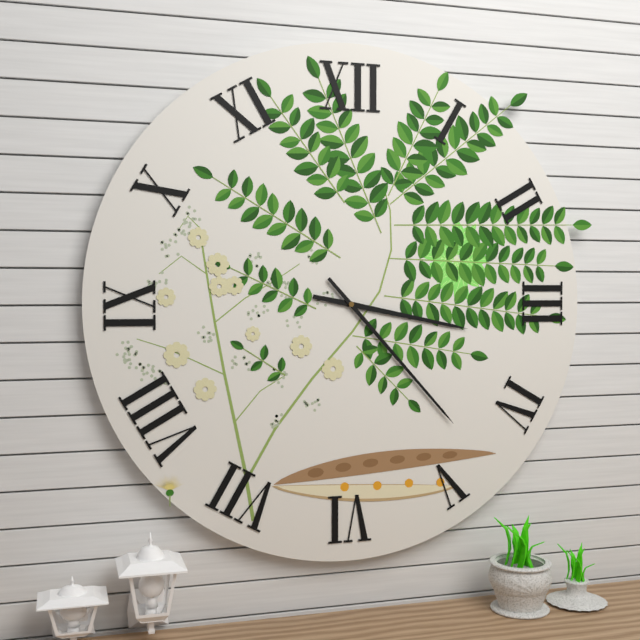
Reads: 3:23
